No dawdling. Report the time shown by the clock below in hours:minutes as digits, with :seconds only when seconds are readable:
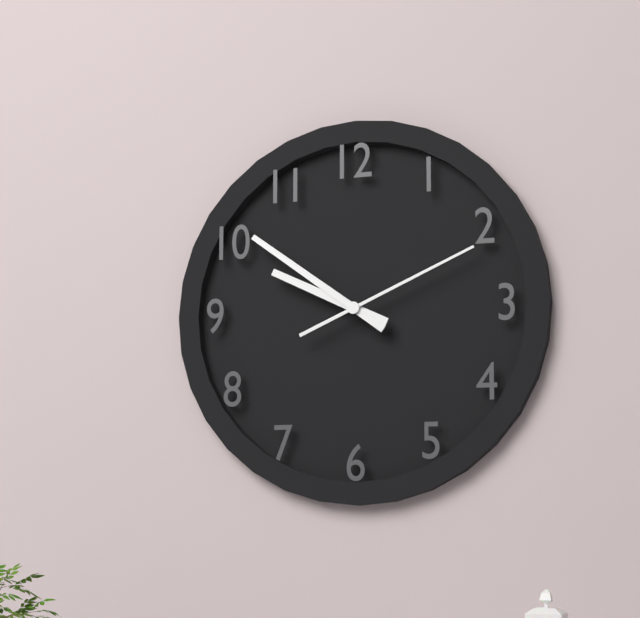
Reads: 9:51:11
